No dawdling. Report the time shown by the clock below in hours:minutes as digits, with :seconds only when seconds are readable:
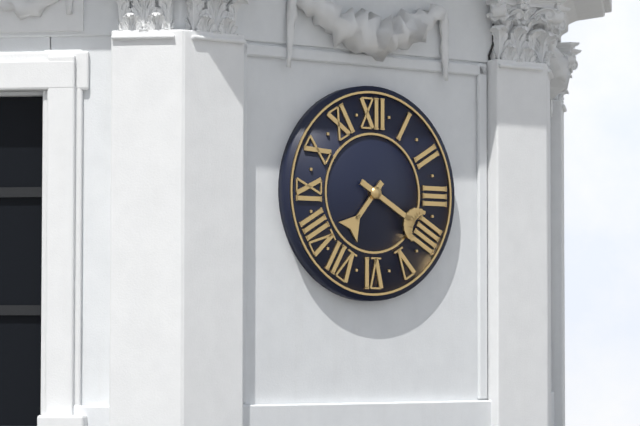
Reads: 7:20
